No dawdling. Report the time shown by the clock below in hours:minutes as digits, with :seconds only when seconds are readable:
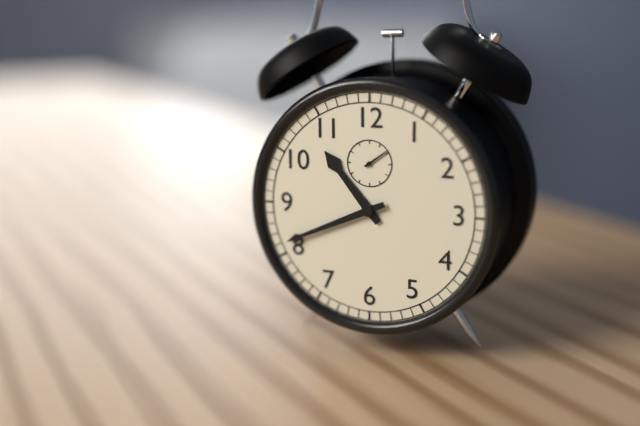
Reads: 10:41
